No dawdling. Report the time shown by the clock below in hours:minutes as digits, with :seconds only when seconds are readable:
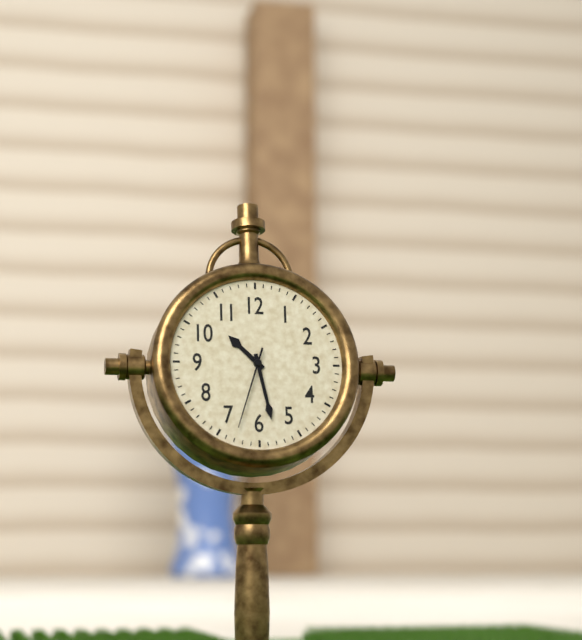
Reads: 10:28:33
